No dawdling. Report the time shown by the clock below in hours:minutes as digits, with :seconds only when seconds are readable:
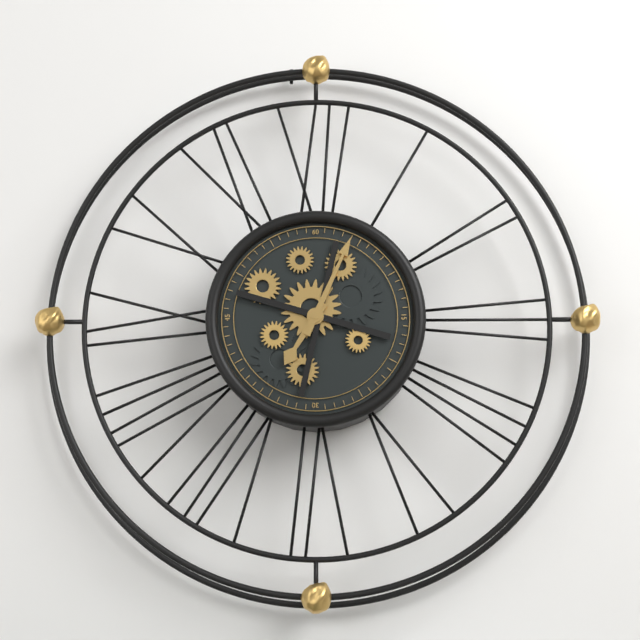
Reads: 7:04
